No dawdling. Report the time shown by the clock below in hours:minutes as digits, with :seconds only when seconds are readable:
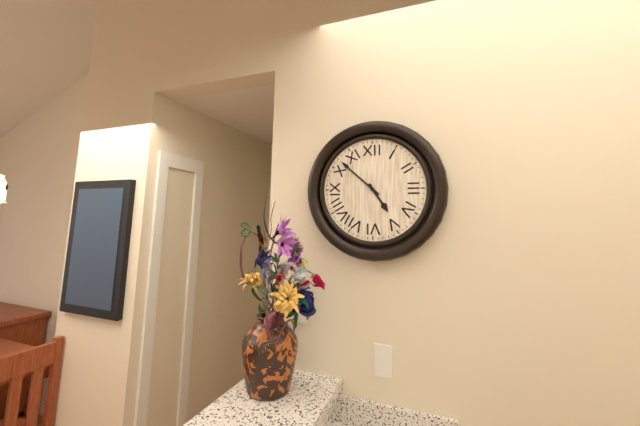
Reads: 4:52
